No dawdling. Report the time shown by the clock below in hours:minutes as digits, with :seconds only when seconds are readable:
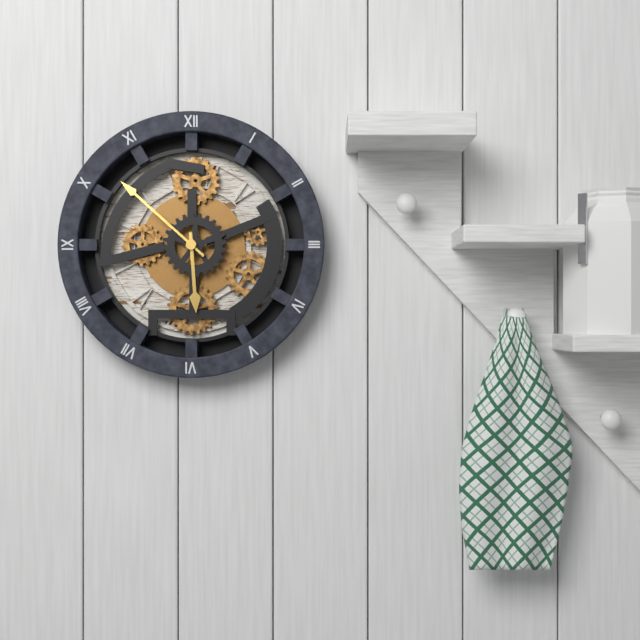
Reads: 5:52
